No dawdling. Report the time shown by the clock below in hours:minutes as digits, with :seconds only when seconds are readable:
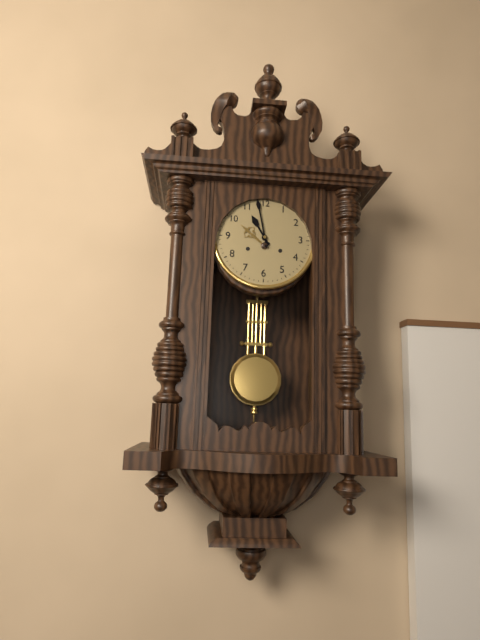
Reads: 10:58
